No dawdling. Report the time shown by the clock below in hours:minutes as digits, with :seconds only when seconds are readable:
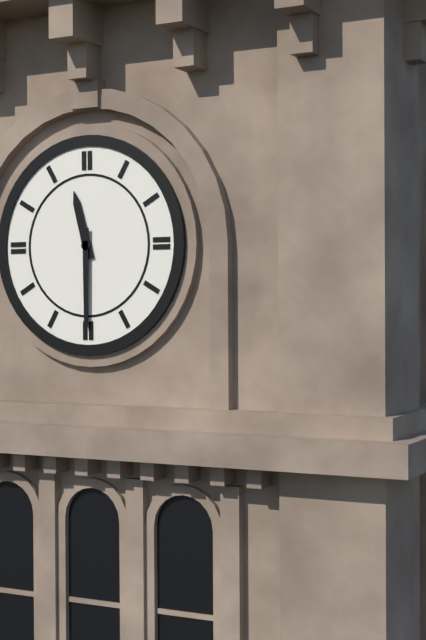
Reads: 11:30
